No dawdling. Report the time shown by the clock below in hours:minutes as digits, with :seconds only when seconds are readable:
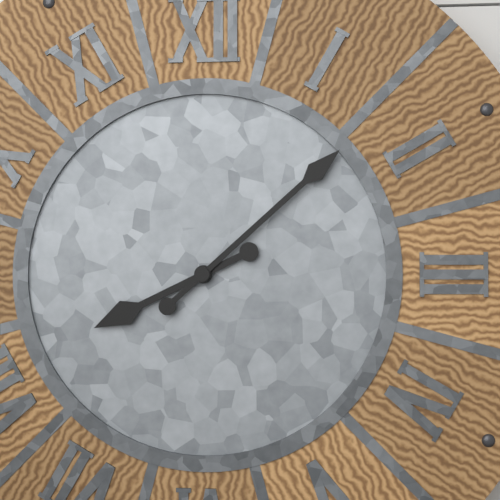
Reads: 8:08
